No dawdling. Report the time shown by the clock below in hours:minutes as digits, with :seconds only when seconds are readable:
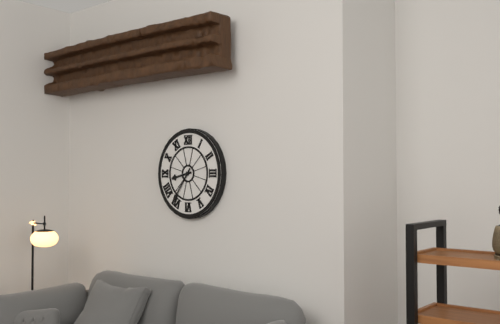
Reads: 8:36
